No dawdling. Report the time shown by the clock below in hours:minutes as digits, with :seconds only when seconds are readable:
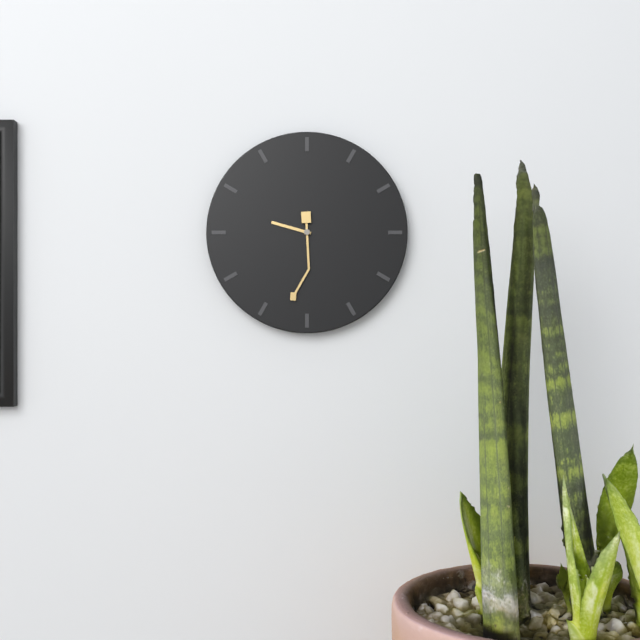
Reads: 9:32
